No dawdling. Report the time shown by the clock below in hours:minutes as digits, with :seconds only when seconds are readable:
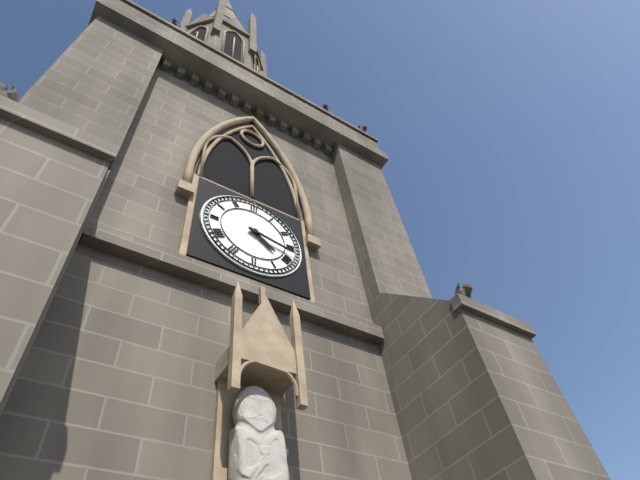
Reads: 4:17
